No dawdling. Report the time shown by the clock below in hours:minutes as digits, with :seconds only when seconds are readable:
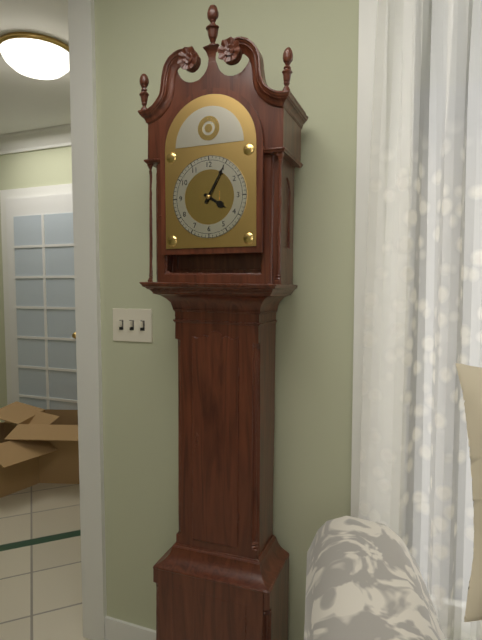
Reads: 4:05
